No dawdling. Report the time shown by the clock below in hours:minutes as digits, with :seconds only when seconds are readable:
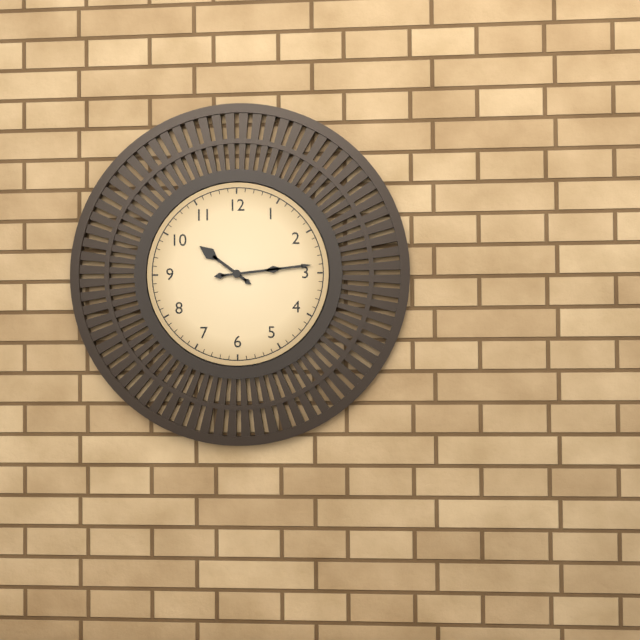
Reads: 10:14
